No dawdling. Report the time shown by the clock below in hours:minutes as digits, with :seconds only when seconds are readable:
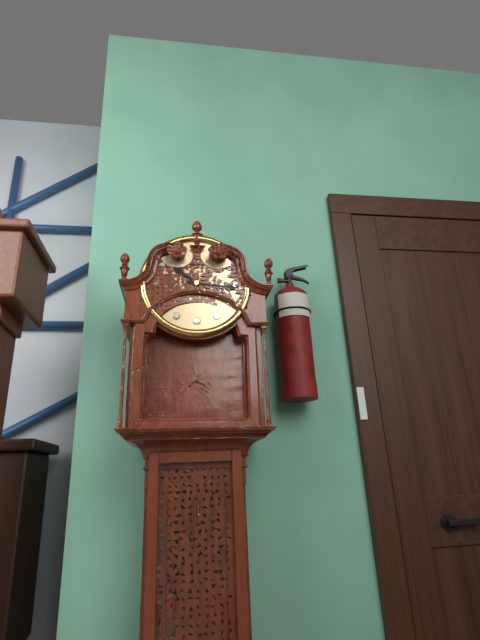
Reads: 10:16
